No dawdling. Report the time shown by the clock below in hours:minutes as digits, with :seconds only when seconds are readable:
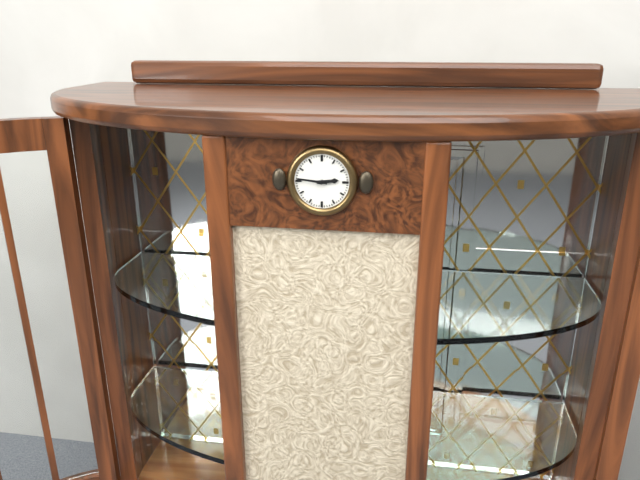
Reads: 2:46
